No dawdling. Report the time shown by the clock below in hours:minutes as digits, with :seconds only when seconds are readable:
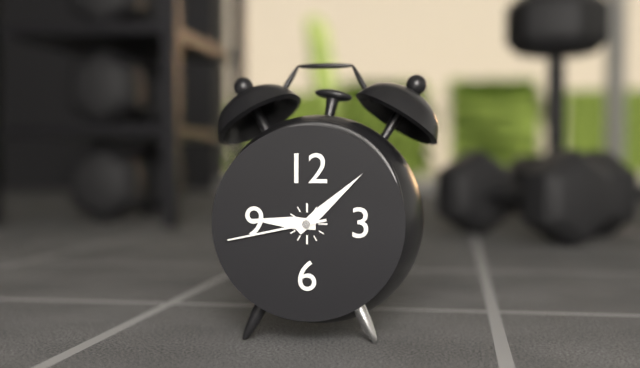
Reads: 9:08:43
